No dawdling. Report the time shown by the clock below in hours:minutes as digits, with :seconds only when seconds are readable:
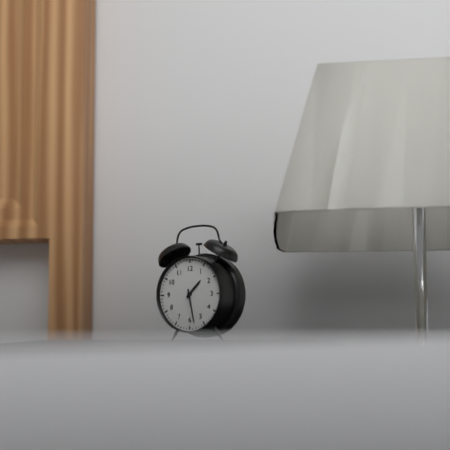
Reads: 1:28
